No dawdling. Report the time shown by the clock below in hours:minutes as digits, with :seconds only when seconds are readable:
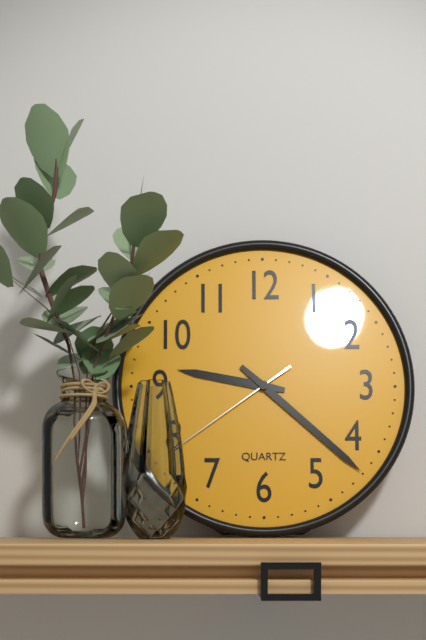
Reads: 9:22:39
